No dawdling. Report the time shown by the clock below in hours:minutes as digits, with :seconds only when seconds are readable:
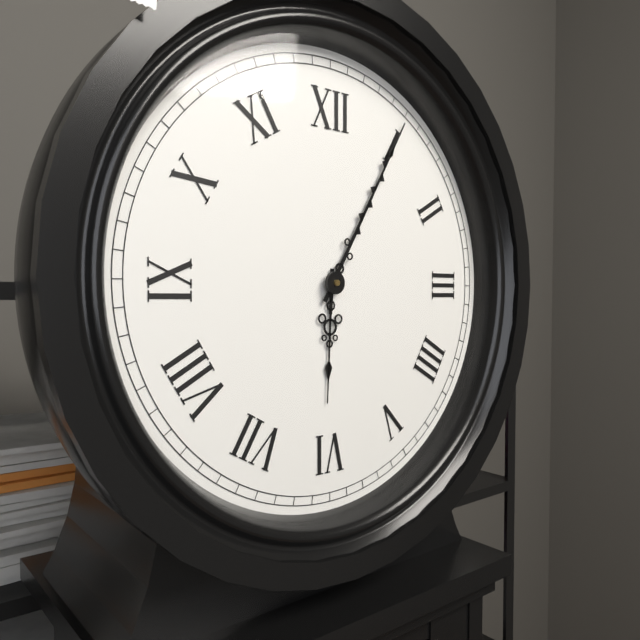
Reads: 6:05
